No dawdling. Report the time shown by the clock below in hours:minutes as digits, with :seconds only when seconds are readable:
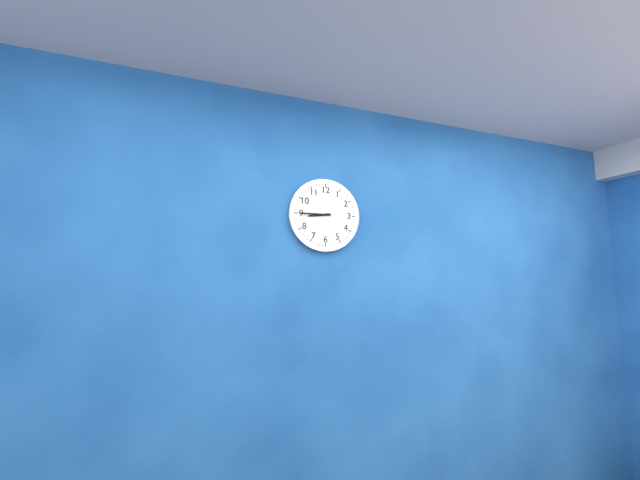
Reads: 8:45
